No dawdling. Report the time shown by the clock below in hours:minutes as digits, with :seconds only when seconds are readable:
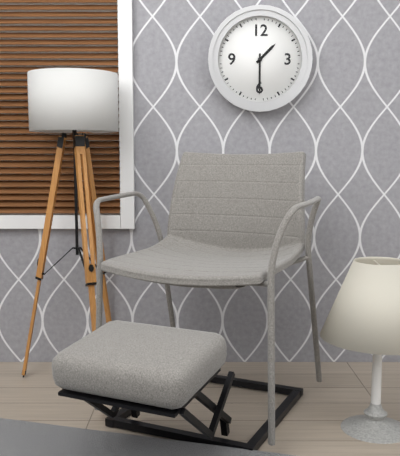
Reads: 1:30
